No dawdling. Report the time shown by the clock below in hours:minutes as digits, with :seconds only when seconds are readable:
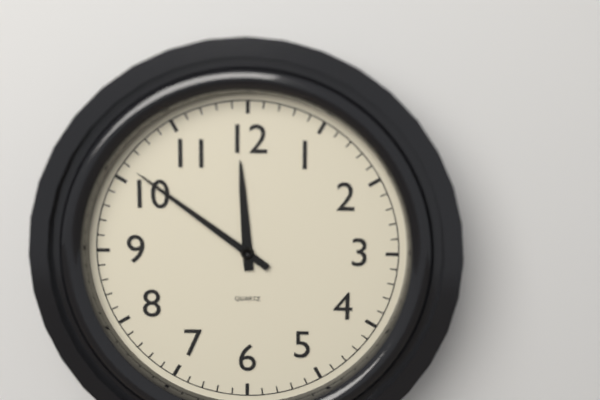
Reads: 11:51
